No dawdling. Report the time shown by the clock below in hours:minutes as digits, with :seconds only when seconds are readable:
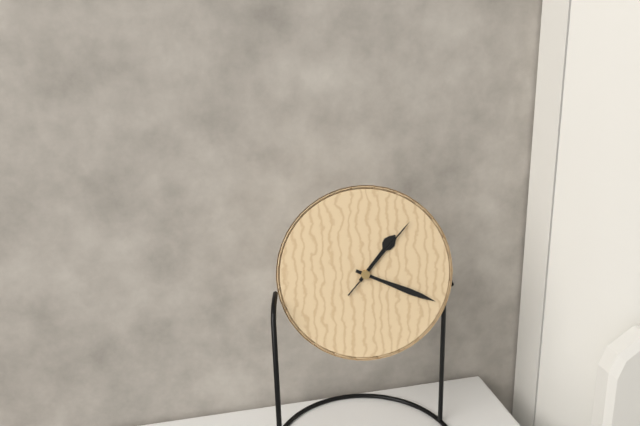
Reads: 1:19:07
